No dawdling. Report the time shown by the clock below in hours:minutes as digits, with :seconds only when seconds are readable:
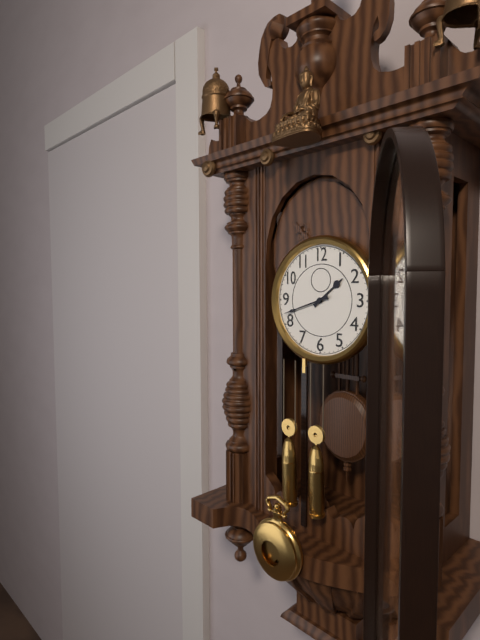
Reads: 1:42
